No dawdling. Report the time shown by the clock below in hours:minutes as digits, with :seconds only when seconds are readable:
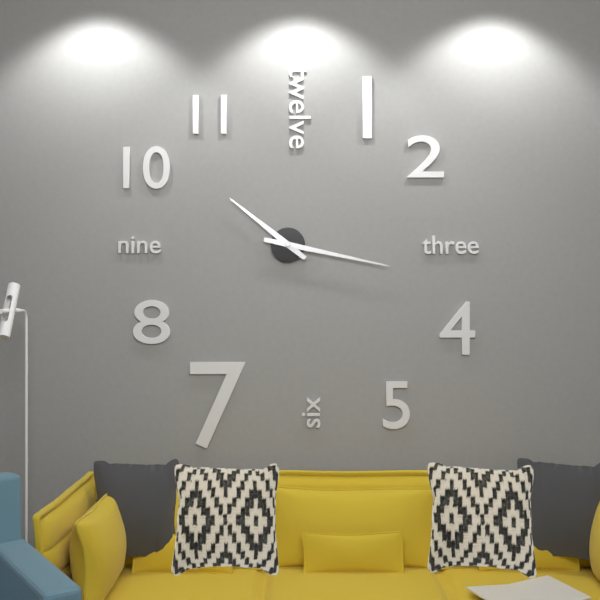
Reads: 10:17
